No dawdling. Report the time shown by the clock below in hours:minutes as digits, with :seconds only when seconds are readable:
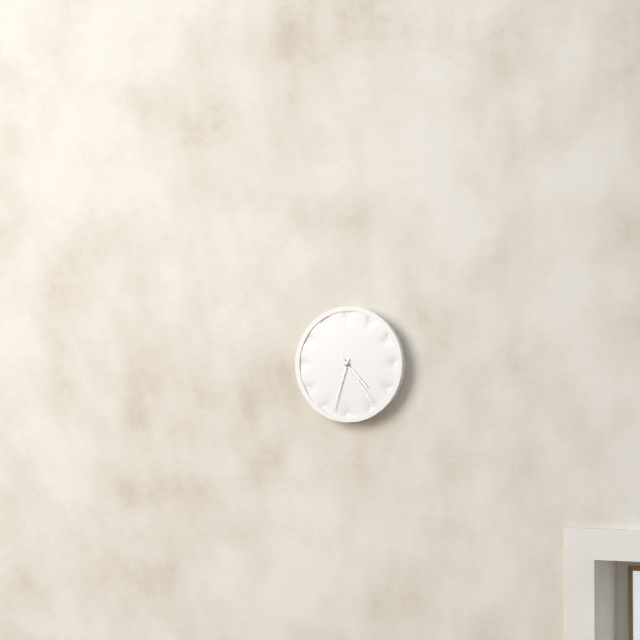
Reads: 4:33:24
